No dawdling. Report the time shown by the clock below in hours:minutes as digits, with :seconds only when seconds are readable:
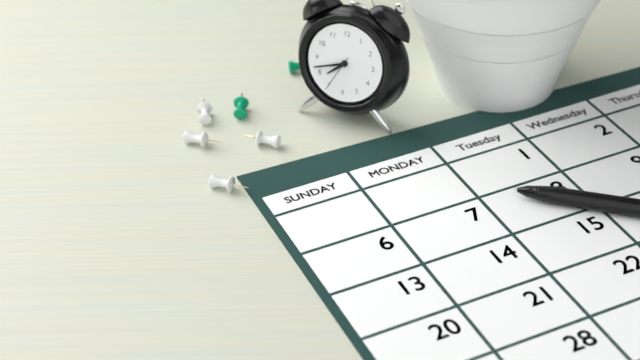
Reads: 7:42
